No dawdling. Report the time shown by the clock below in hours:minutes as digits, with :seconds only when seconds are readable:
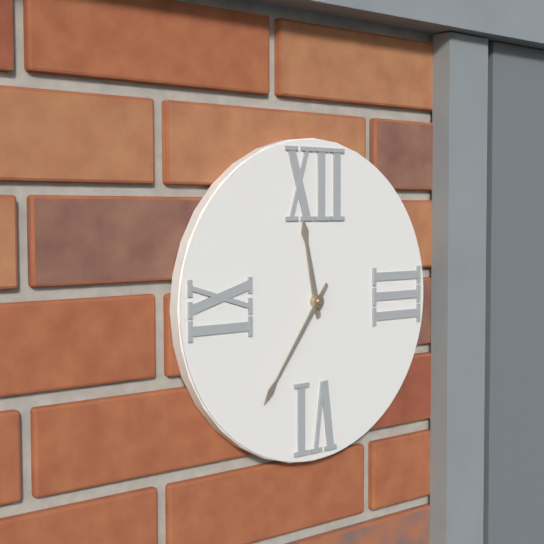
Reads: 11:36
